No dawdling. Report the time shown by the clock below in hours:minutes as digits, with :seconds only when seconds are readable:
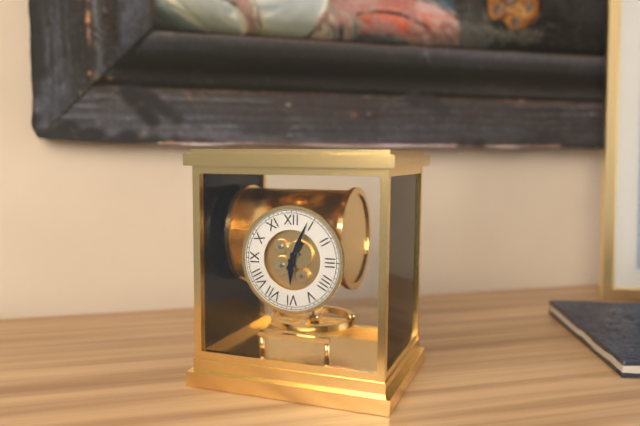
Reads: 6:04
